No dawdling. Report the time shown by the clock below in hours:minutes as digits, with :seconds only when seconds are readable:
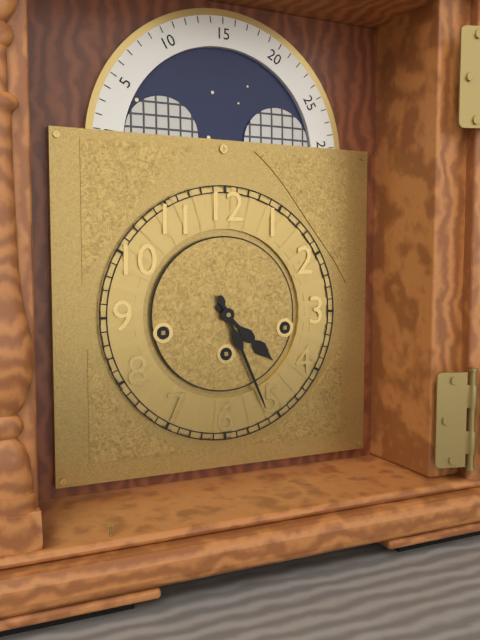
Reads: 4:26
